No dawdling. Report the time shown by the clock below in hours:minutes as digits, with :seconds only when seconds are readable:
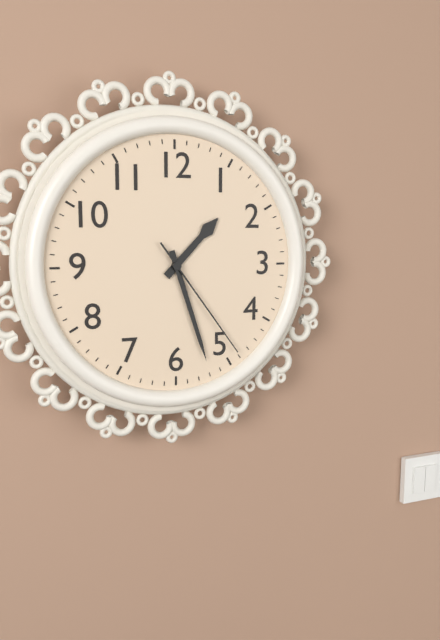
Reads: 1:27:24
